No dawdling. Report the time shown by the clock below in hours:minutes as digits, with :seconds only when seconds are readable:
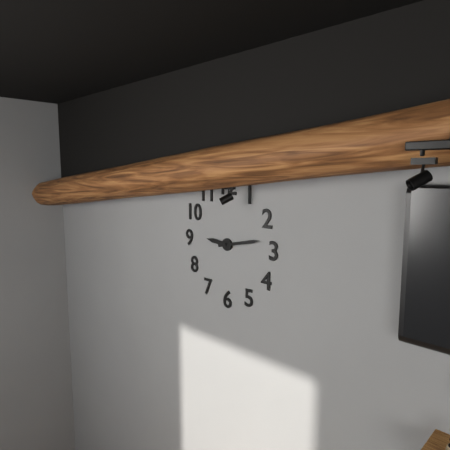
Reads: 9:13
